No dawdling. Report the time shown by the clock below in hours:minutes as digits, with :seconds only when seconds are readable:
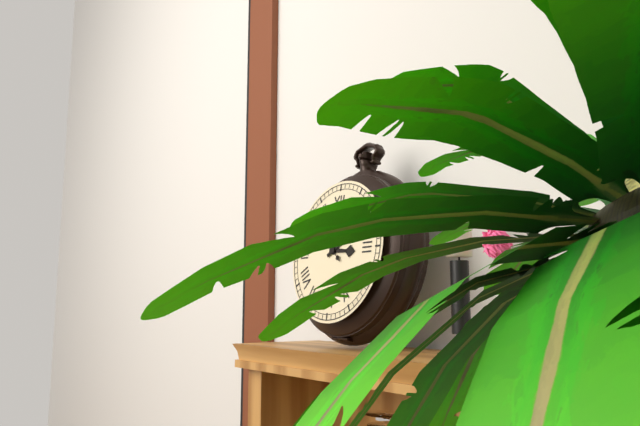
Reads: 3:10
